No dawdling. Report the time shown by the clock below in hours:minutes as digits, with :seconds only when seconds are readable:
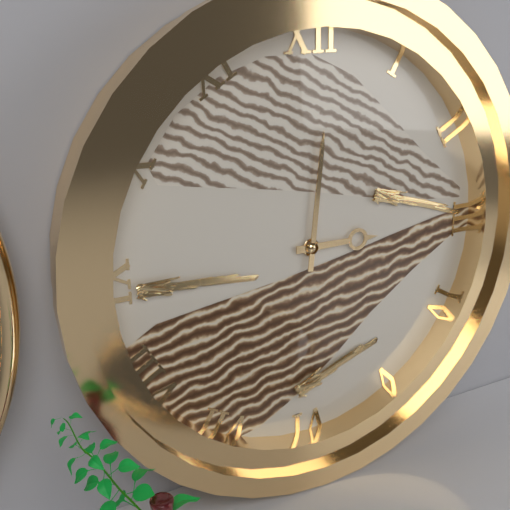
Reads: 3:01
